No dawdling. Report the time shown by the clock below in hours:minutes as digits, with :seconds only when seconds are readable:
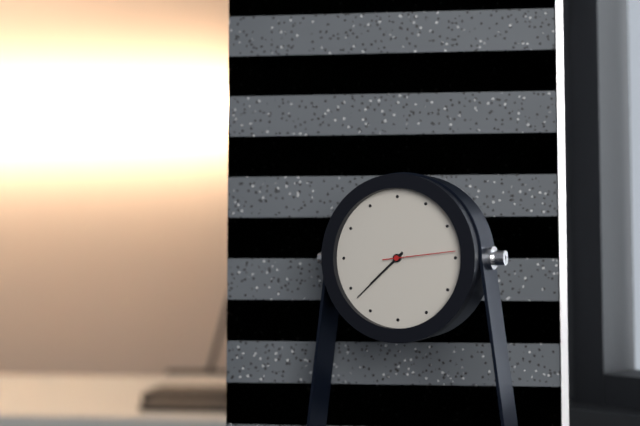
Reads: 7:38:14
